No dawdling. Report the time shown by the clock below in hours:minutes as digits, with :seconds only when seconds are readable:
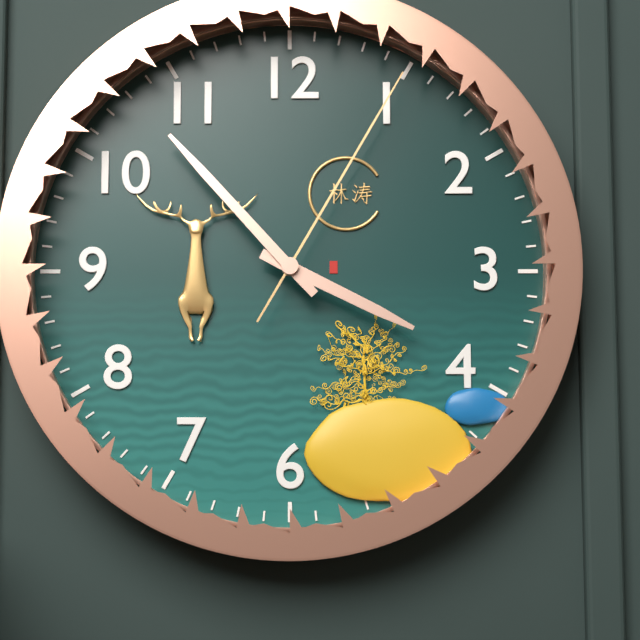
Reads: 3:53:05
